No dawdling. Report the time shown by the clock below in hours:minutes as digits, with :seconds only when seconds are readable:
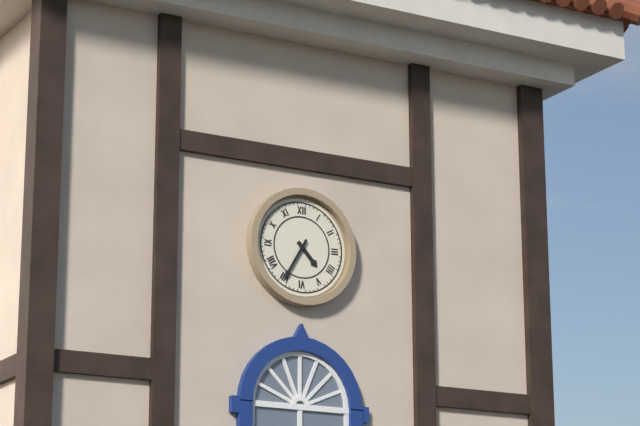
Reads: 4:35
